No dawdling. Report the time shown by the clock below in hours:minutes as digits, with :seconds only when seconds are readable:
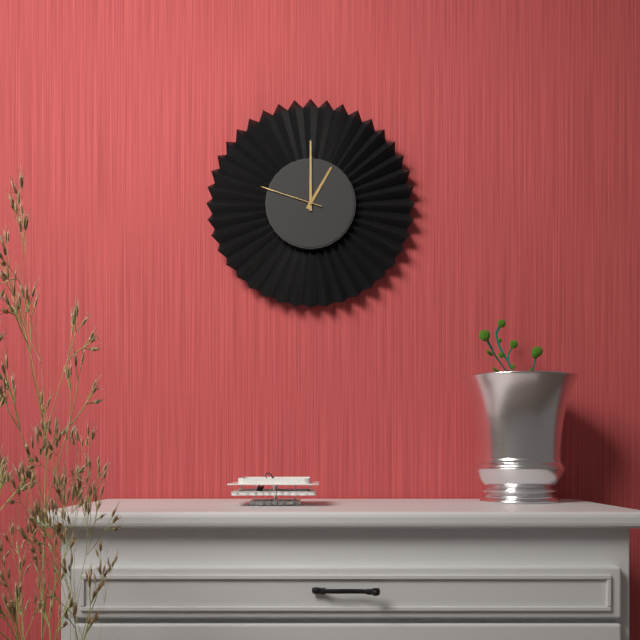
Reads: 1:00:48
